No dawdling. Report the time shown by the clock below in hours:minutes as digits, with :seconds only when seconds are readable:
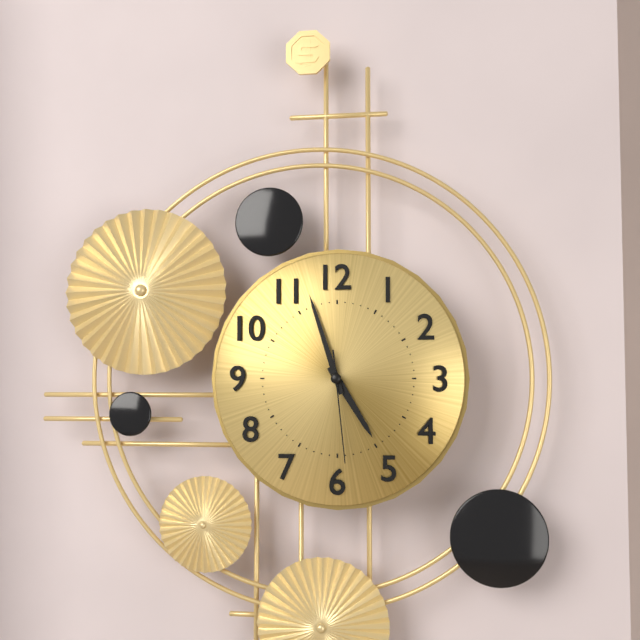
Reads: 4:57:29
